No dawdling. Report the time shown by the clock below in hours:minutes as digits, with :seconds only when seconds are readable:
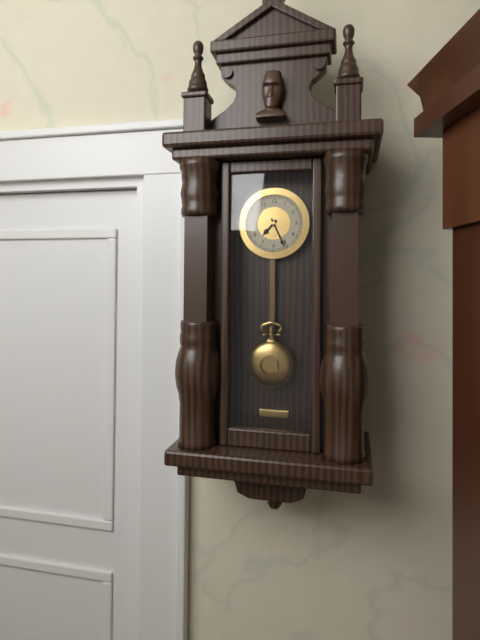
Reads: 7:26
